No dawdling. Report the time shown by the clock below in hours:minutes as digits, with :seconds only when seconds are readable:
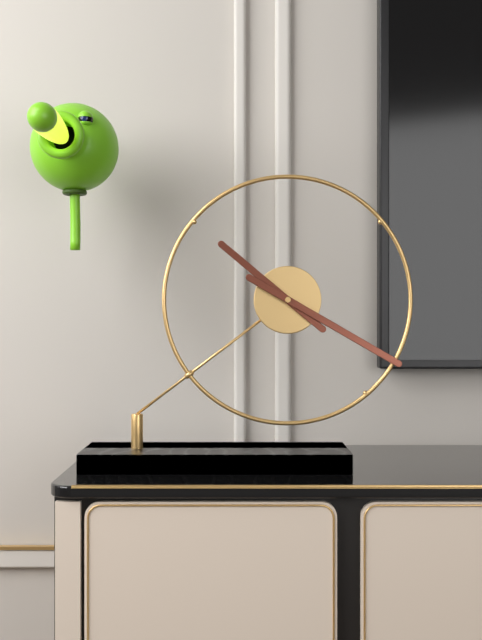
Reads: 10:20
